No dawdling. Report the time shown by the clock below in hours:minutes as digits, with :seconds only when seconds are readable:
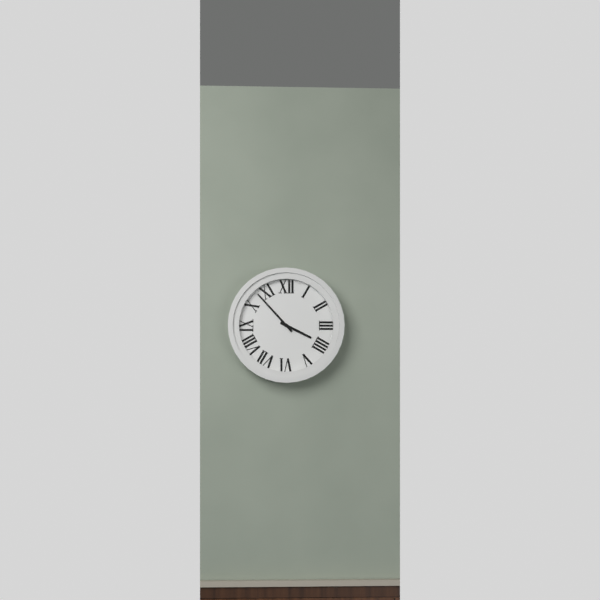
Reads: 3:53
